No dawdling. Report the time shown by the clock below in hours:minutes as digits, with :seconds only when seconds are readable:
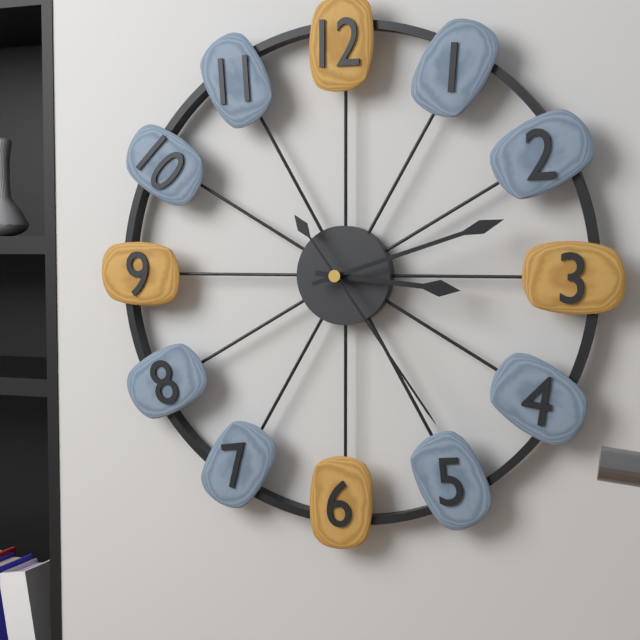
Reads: 3:12:24
